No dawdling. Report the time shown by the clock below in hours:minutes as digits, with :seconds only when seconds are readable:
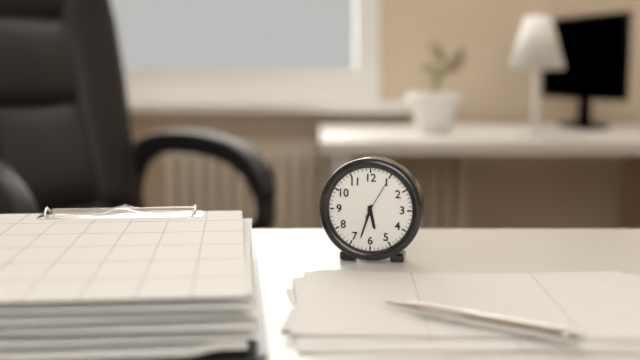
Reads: 5:33
